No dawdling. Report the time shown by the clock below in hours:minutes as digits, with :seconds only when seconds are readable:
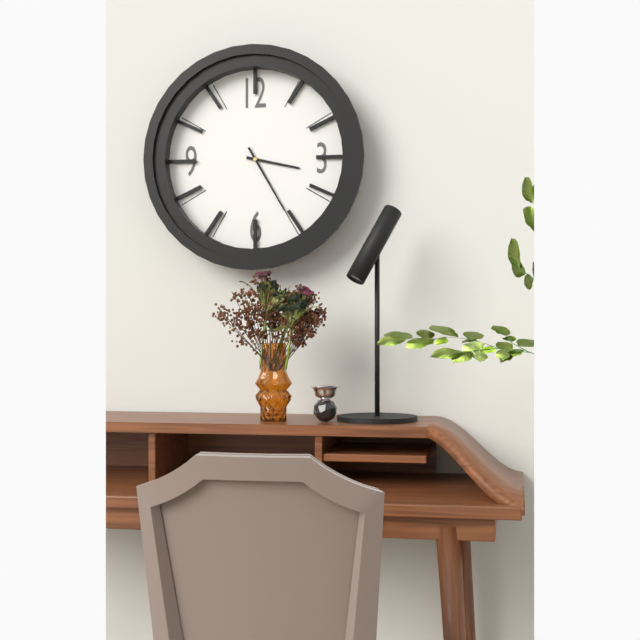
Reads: 3:25
